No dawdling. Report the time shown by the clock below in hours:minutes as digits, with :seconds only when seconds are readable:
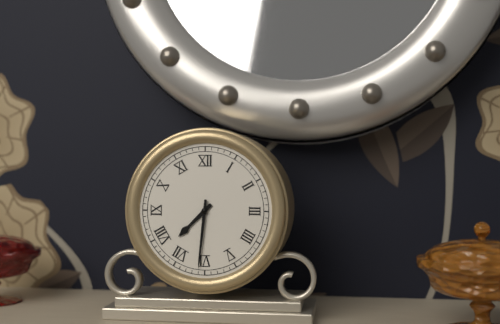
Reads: 7:31
